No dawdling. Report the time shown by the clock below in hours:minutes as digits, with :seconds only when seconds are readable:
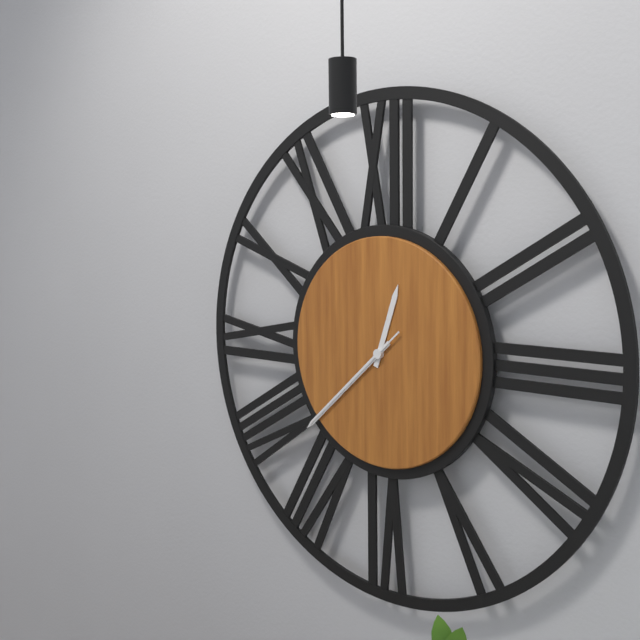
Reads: 12:38:38
